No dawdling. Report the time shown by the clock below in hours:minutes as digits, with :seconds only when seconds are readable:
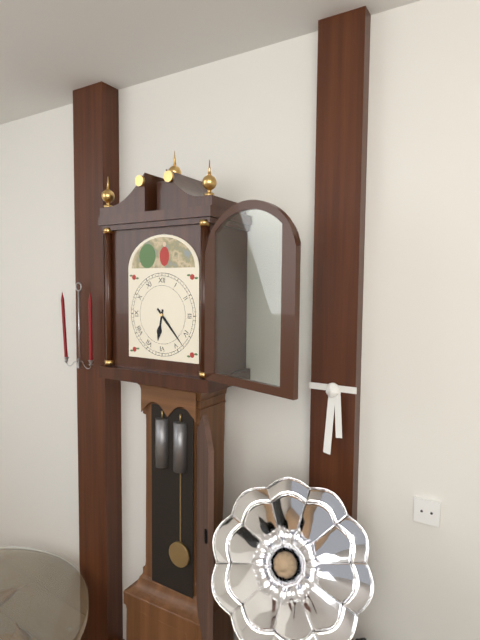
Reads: 6:23
